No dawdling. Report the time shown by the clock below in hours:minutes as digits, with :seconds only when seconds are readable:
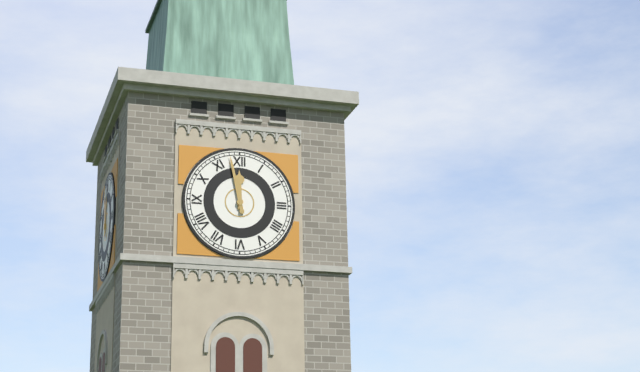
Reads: 11:58
